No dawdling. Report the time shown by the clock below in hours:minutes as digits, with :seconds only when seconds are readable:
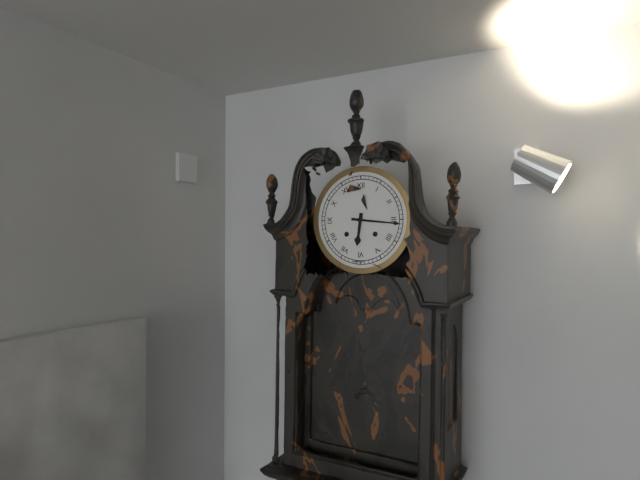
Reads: 6:16
